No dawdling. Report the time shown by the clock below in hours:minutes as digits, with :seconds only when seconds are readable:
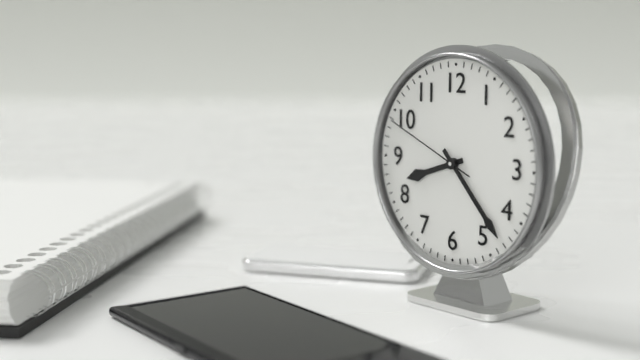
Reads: 8:23:49
